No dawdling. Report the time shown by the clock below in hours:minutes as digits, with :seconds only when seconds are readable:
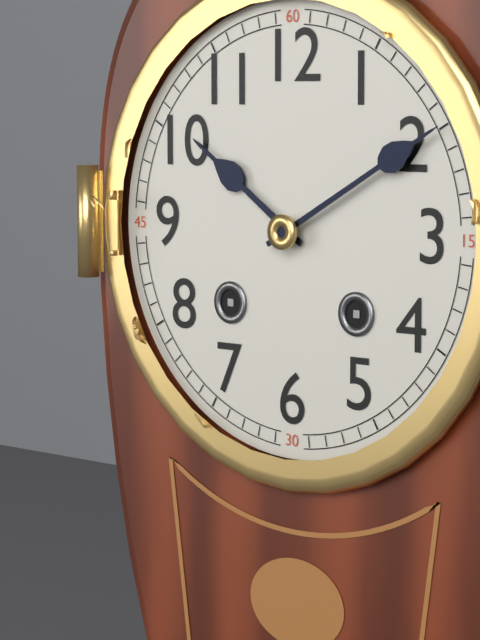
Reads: 10:10
